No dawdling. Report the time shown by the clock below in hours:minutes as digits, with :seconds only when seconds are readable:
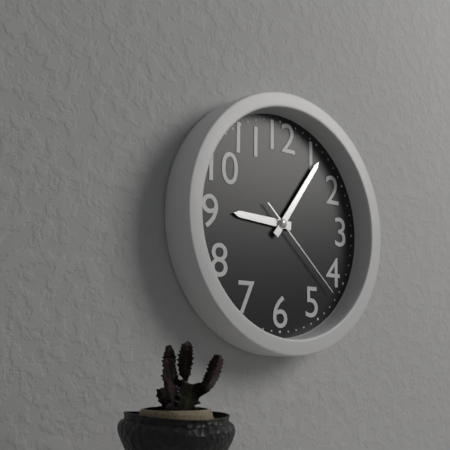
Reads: 9:06:22
